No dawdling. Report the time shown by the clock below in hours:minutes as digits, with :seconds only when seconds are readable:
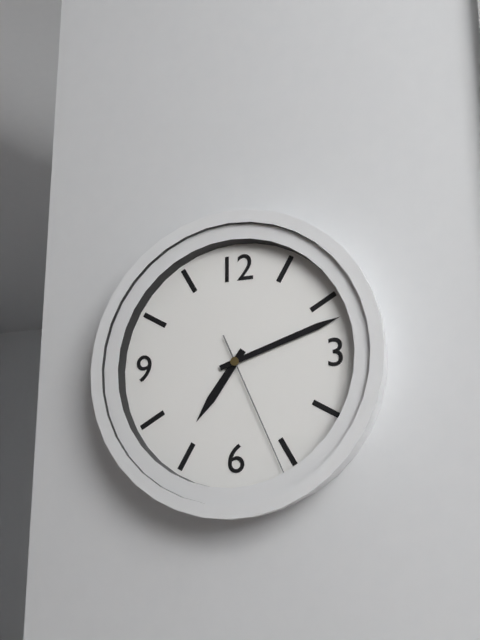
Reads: 7:12:26
